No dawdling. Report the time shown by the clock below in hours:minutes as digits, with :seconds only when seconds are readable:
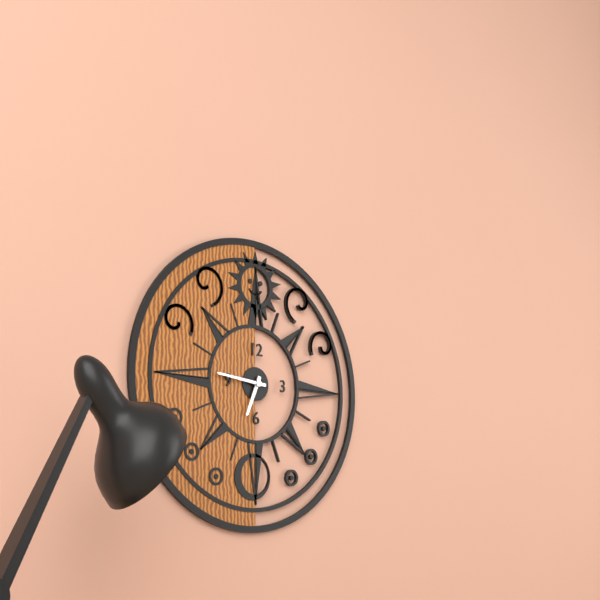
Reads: 6:46
